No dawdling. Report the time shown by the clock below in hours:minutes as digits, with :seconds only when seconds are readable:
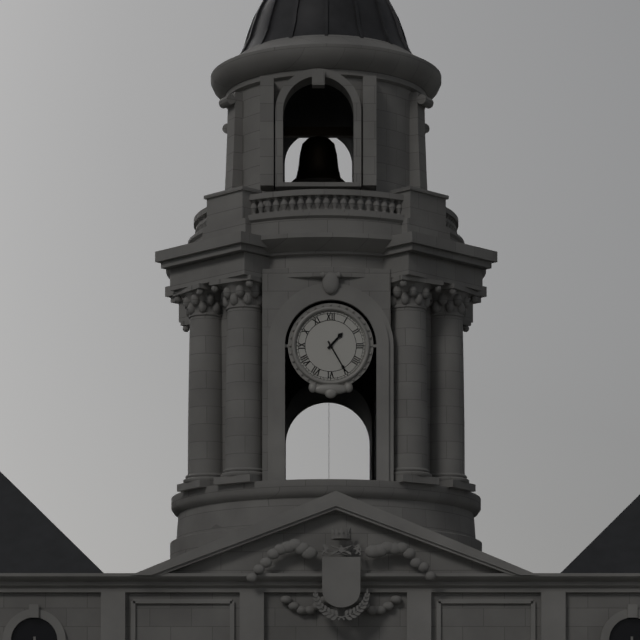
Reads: 1:25
